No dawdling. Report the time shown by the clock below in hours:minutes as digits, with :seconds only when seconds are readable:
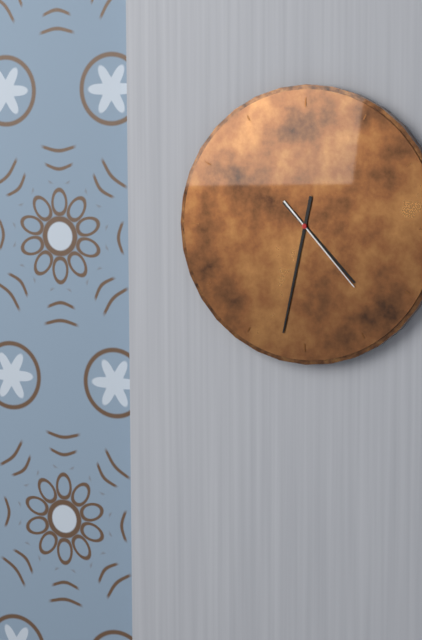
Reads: 4:32:23
